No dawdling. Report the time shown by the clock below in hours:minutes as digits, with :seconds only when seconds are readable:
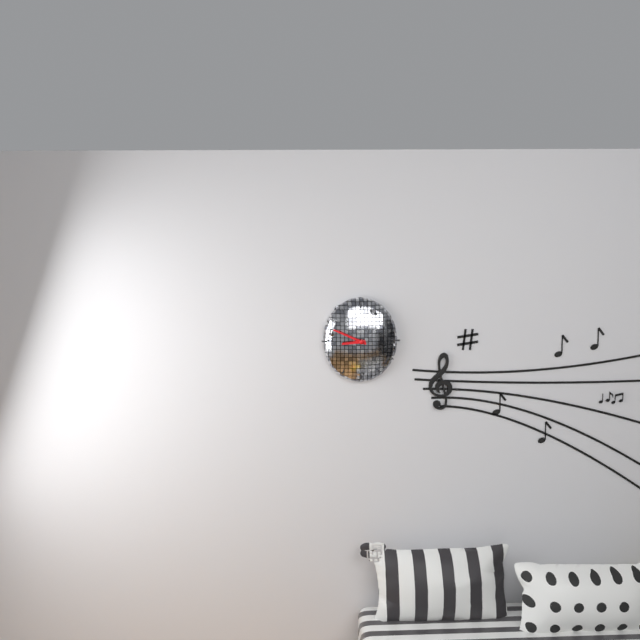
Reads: 8:49
